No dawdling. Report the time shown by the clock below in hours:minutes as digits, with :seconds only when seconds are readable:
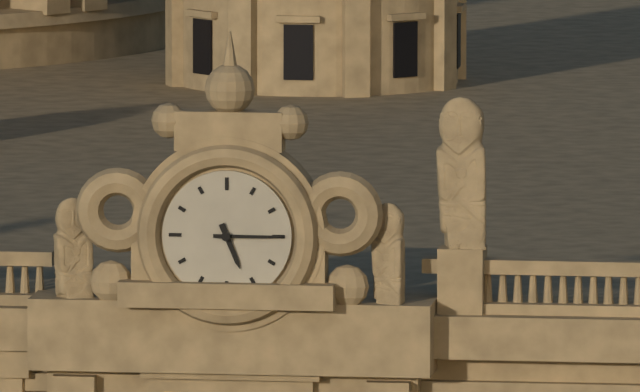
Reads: 5:15
